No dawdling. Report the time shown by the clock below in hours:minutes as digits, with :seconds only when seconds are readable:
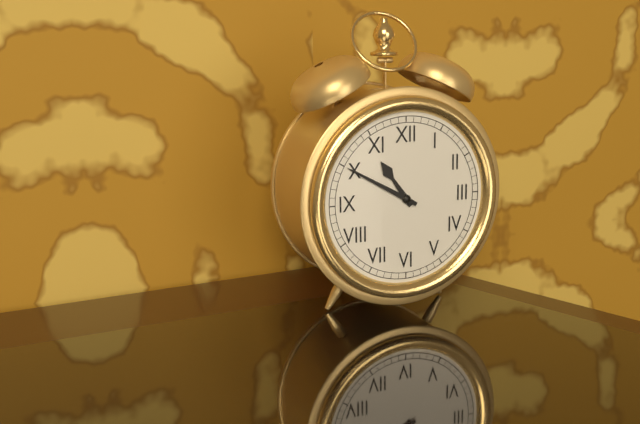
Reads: 10:50
